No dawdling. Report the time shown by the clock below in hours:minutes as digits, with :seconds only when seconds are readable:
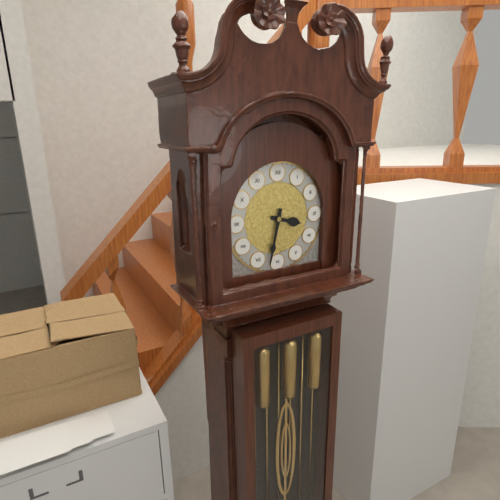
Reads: 3:32
